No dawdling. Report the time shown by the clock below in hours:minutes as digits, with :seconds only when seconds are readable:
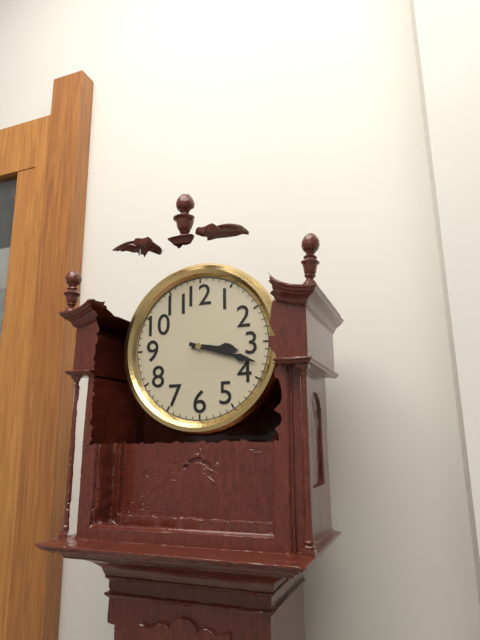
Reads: 3:18
